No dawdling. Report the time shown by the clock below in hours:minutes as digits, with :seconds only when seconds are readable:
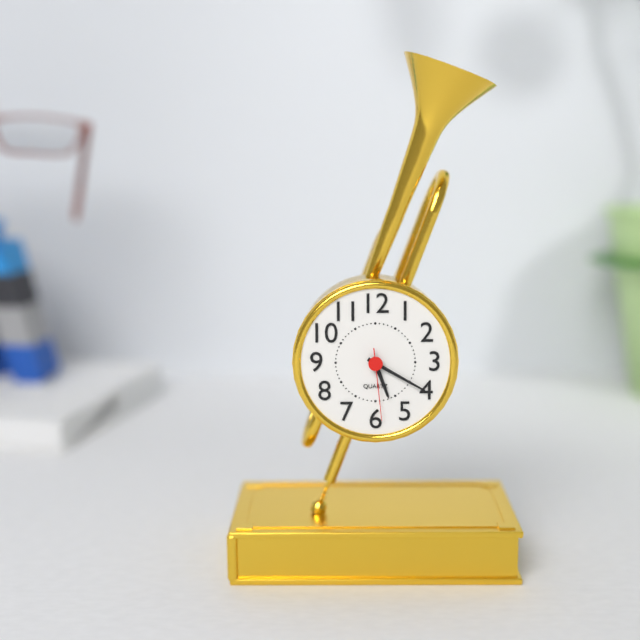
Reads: 5:20:29
